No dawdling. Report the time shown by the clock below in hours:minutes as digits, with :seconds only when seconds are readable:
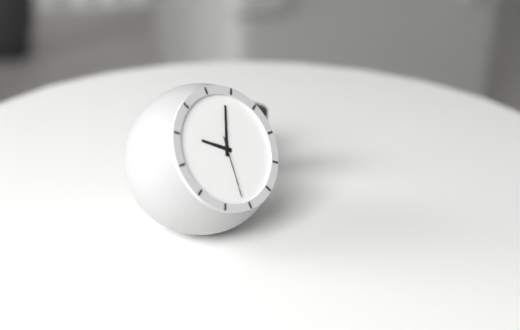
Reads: 10:04:31
